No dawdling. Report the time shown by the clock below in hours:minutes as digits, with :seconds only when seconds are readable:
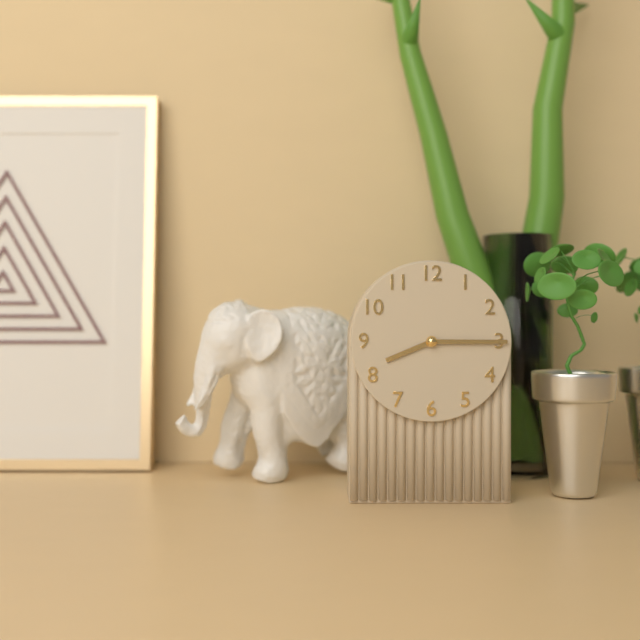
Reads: 8:15
